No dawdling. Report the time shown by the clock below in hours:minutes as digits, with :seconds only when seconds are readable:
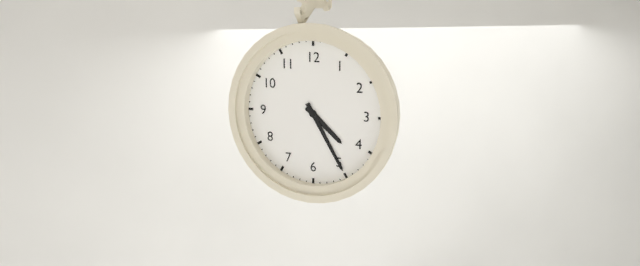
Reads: 4:25
